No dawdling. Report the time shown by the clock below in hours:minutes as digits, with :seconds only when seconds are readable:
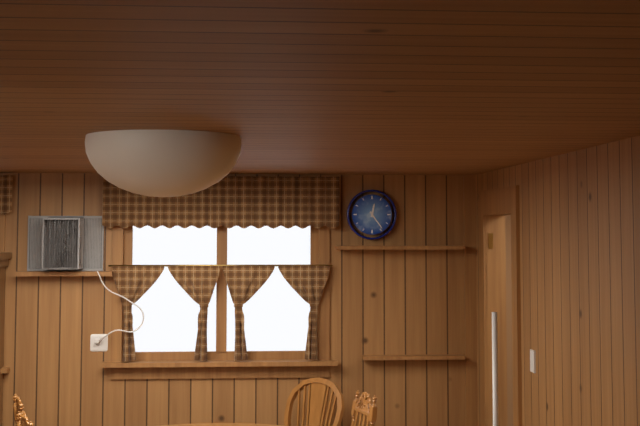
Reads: 12:24
